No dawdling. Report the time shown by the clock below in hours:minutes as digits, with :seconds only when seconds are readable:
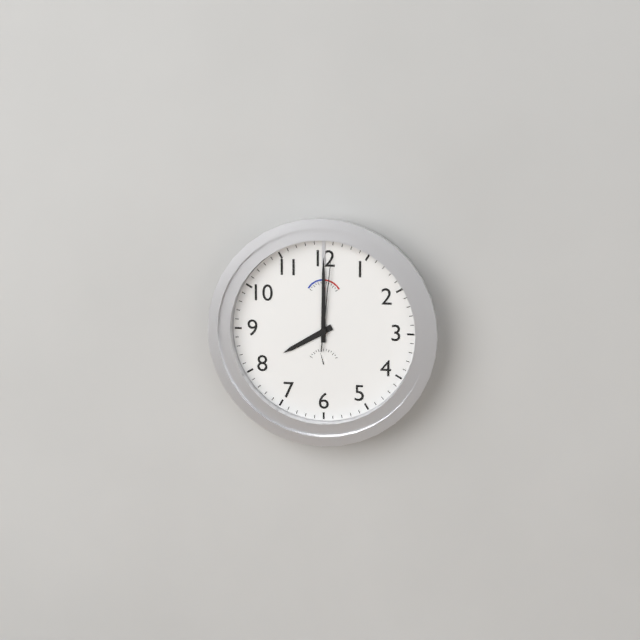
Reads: 8:00:01
